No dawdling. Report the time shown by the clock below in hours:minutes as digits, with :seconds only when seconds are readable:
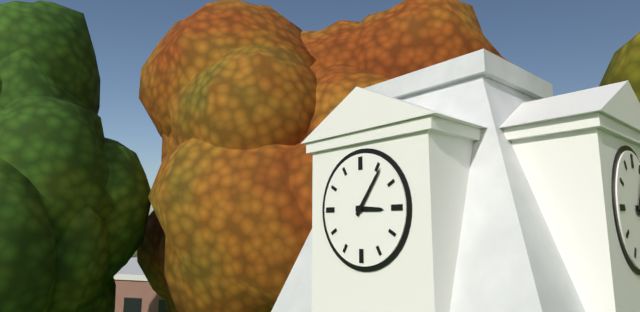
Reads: 3:06
